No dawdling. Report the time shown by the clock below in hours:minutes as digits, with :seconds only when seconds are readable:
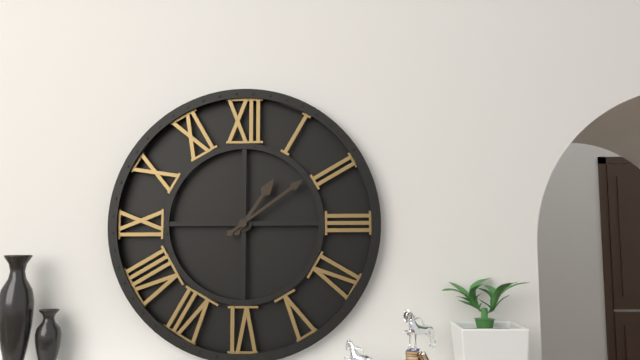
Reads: 1:09
